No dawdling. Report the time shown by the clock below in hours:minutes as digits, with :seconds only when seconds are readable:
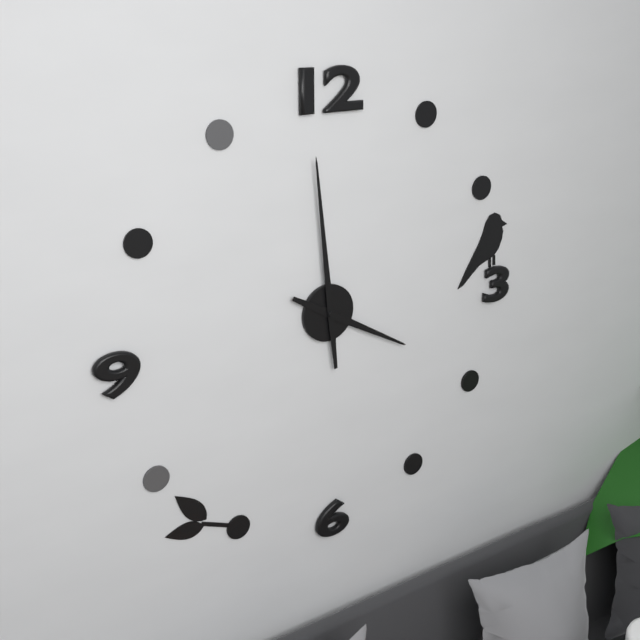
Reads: 3:59
